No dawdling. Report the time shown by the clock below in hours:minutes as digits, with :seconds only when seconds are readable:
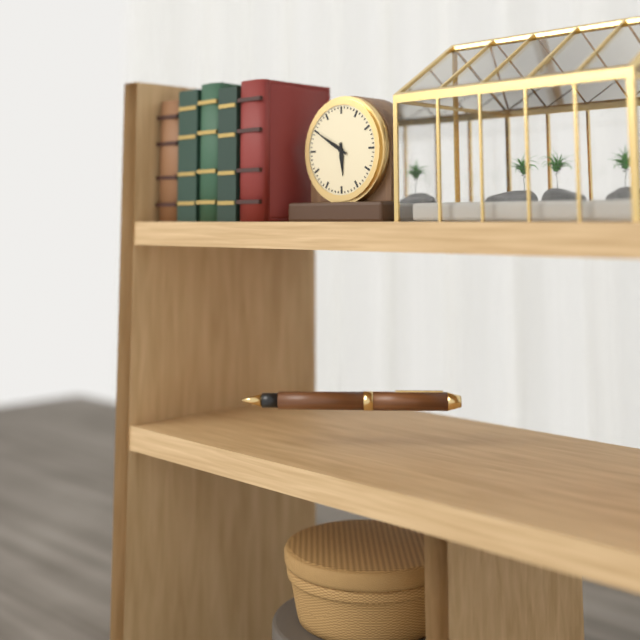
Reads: 5:50
